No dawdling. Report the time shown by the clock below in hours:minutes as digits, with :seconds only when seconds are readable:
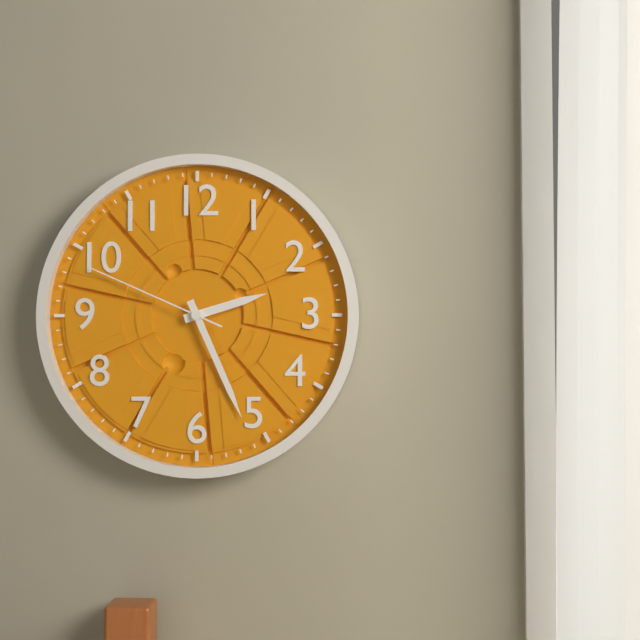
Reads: 2:26:49
